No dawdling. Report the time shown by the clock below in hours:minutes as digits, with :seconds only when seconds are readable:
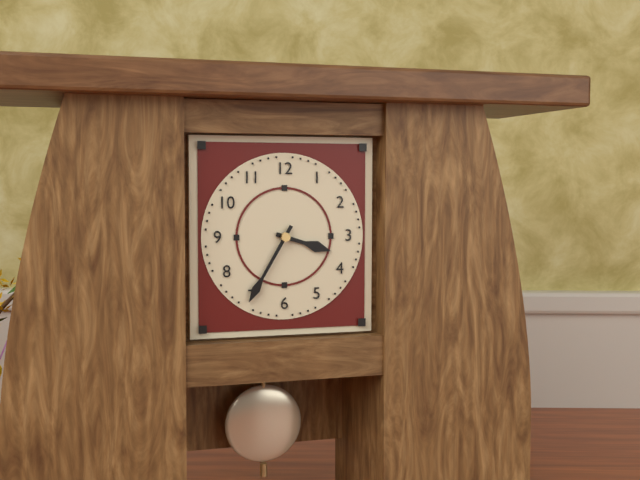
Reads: 3:35
